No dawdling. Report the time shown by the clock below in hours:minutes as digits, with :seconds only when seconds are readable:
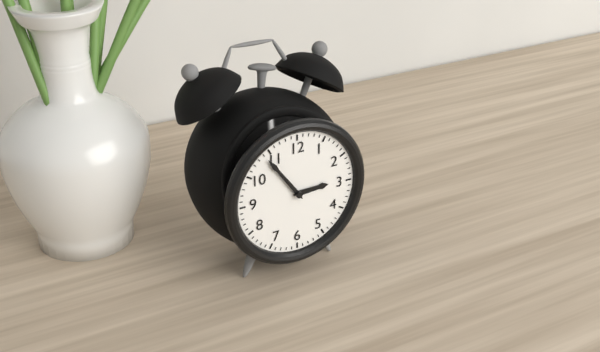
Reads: 2:54
